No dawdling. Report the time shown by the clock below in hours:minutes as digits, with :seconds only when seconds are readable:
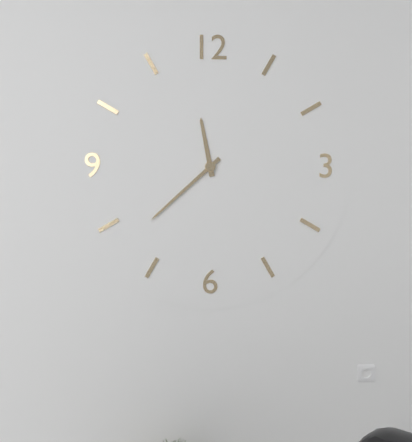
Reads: 11:38
